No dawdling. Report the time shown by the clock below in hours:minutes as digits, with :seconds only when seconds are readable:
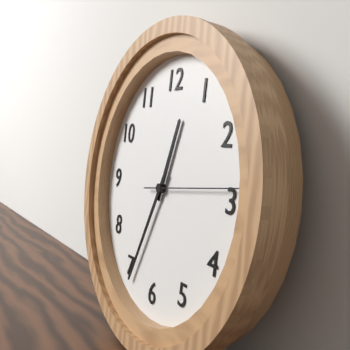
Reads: 12:34:14
